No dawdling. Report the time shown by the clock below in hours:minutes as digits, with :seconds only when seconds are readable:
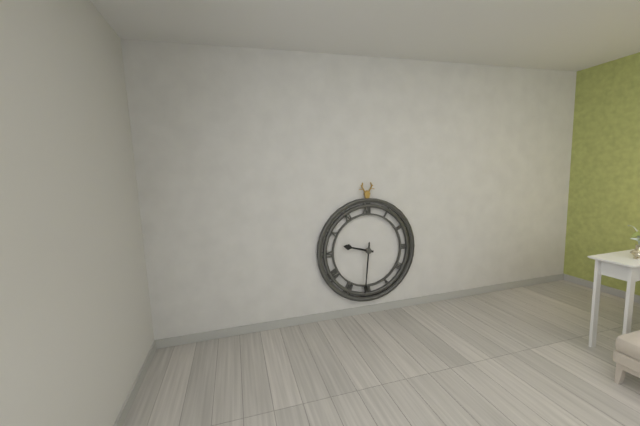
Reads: 9:31
